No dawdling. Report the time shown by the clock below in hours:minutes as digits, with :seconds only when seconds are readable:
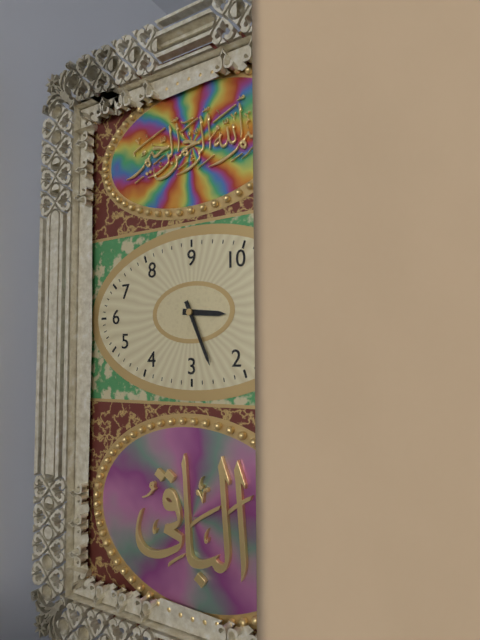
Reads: 12:11
